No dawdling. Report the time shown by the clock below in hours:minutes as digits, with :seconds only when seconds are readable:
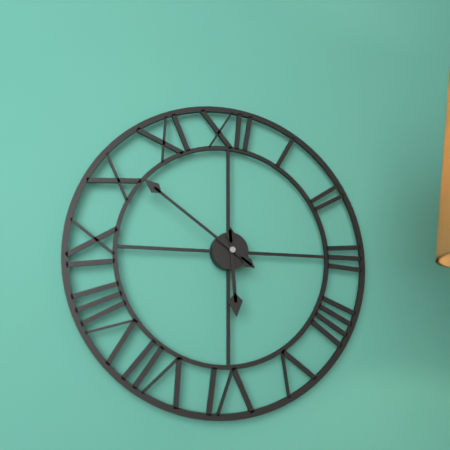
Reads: 5:51
